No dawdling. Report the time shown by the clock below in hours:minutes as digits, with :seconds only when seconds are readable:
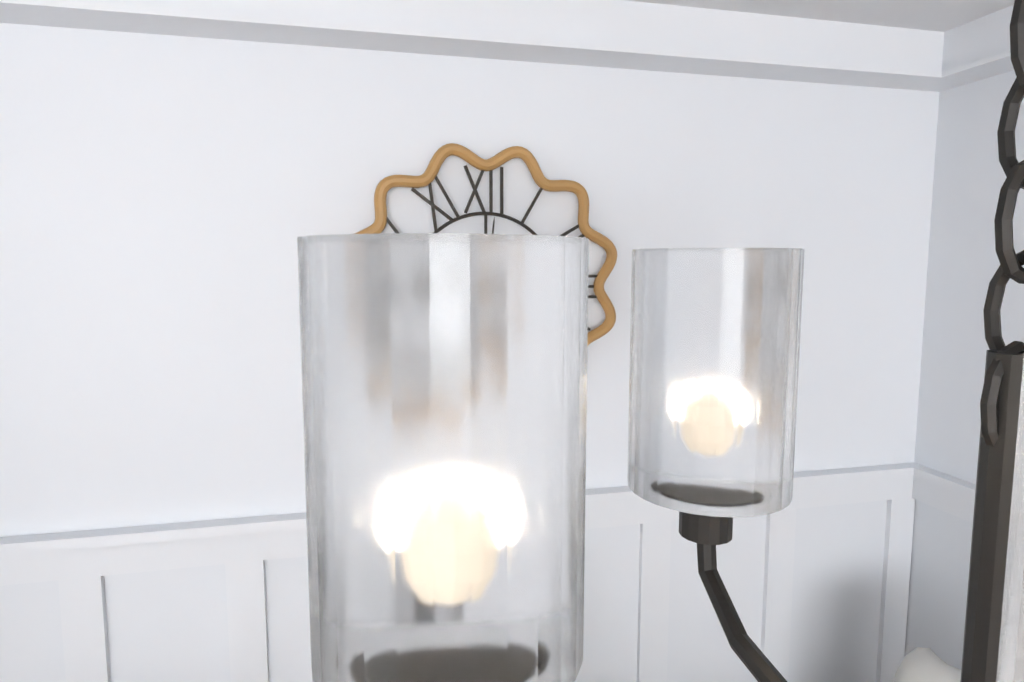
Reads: 10:01
